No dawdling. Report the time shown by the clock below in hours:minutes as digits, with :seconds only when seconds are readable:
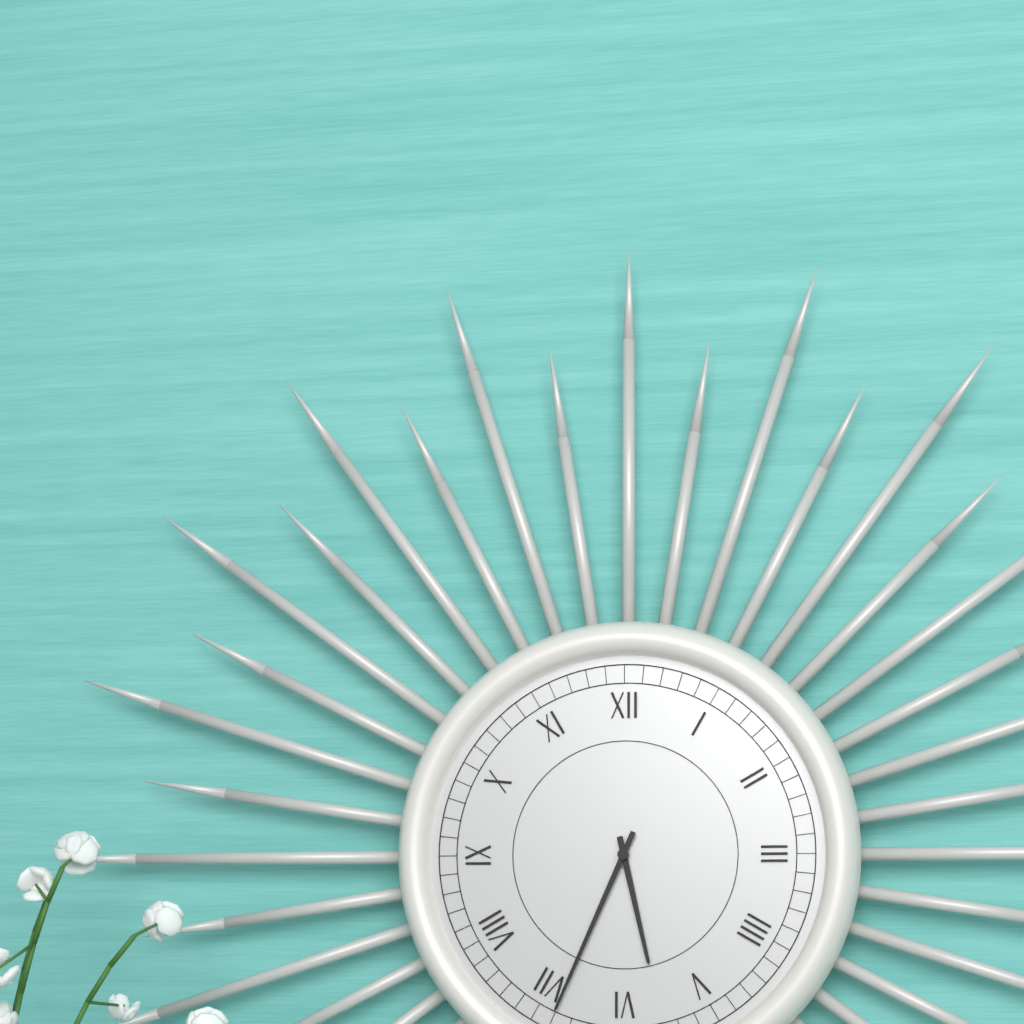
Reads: 5:34
